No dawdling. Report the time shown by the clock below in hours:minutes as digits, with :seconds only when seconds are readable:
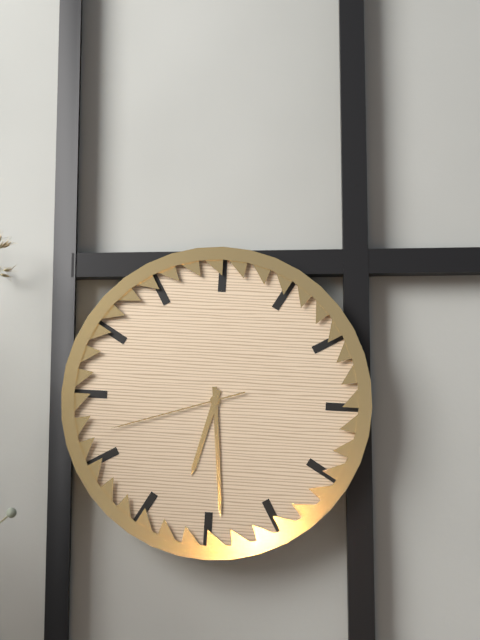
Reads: 6:29:42
